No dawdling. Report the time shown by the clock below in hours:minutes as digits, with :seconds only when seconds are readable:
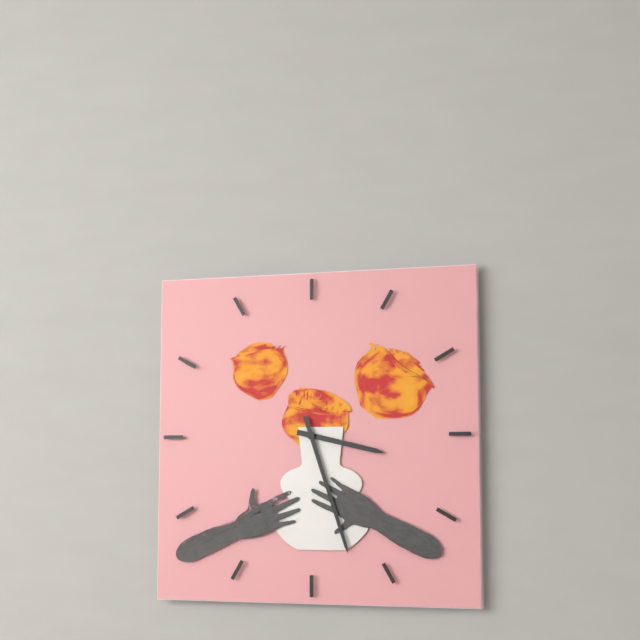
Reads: 3:27
